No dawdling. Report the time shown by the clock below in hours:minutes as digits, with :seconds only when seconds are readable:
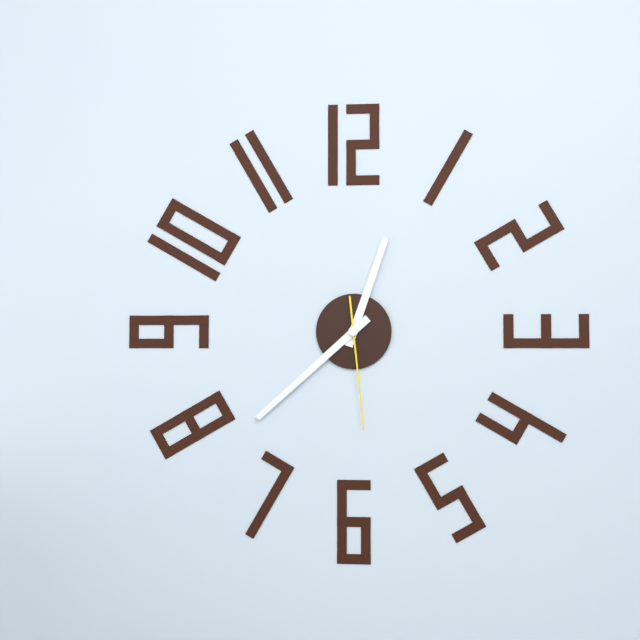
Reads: 12:38:29
